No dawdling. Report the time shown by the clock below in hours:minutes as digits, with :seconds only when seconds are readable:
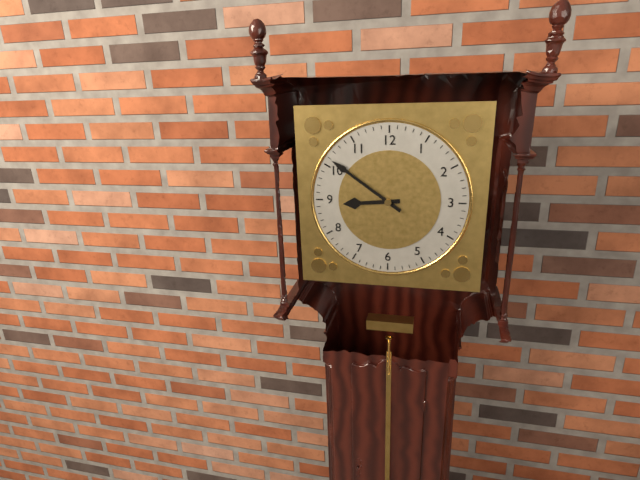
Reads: 8:51
